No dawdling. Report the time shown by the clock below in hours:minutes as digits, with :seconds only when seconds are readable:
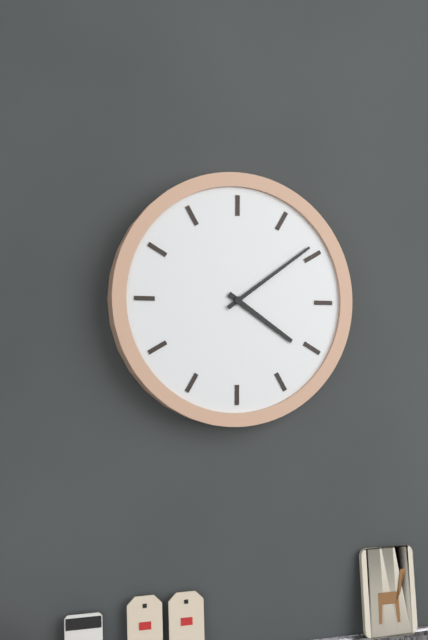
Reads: 4:09
